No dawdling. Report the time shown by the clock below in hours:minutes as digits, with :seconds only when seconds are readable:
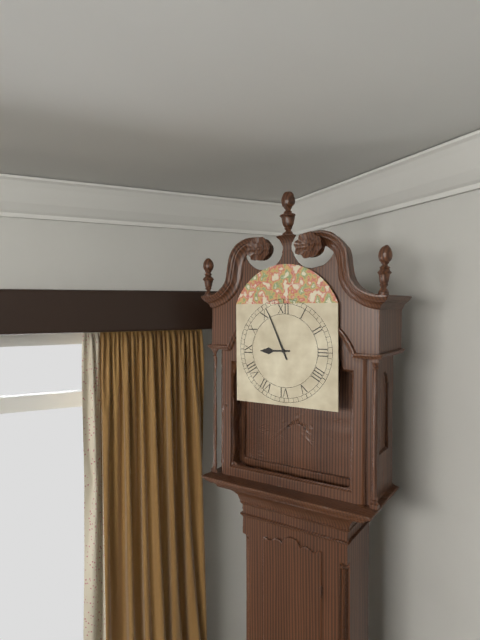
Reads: 8:56
